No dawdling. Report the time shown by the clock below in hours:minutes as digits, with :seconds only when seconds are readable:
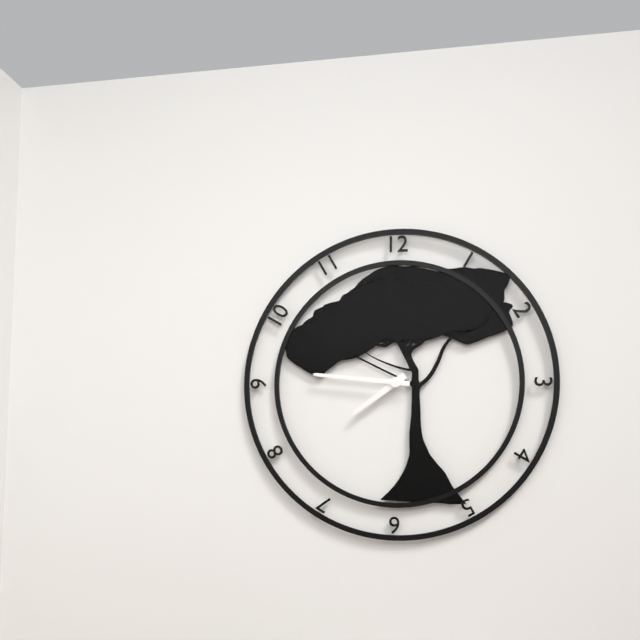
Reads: 7:46
